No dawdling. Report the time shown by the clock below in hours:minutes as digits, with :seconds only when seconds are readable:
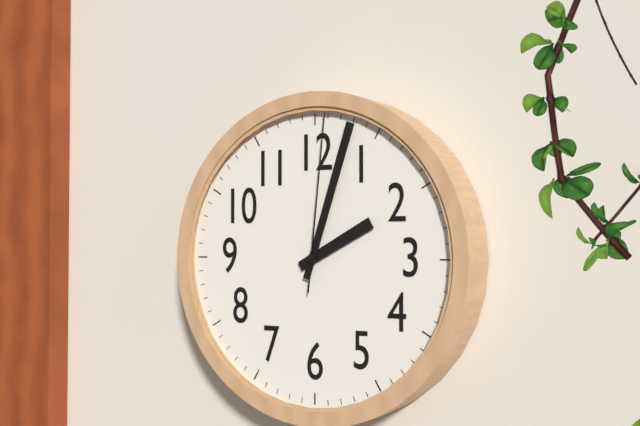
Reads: 2:03:01
